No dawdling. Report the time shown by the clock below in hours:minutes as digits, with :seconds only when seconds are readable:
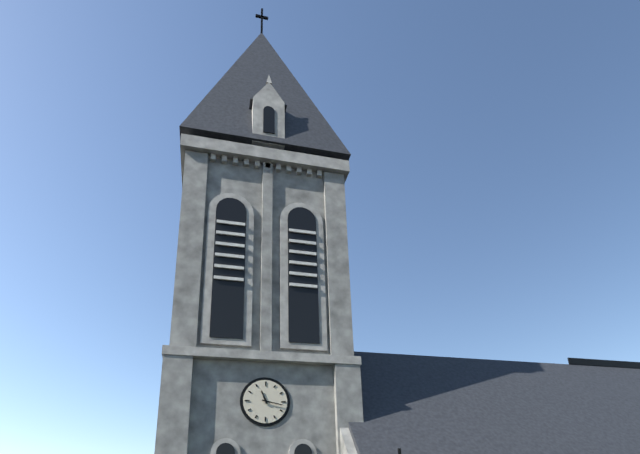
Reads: 11:17
